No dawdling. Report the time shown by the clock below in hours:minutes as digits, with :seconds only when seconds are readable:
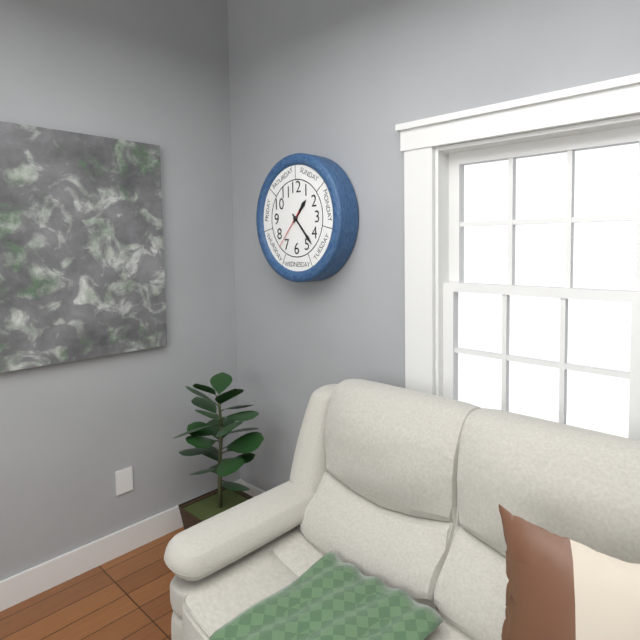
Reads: 1:23
